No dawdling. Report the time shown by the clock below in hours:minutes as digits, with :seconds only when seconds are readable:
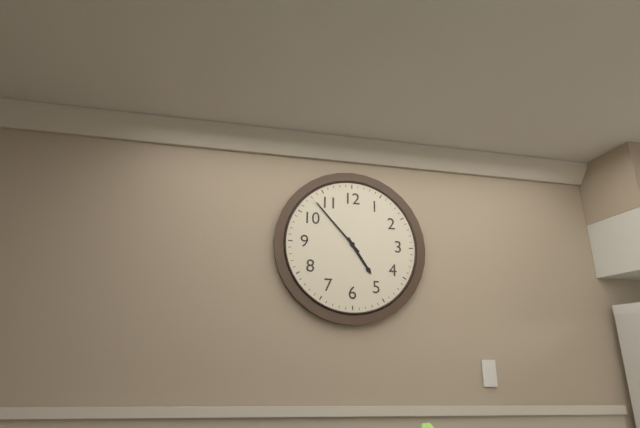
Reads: 4:53
